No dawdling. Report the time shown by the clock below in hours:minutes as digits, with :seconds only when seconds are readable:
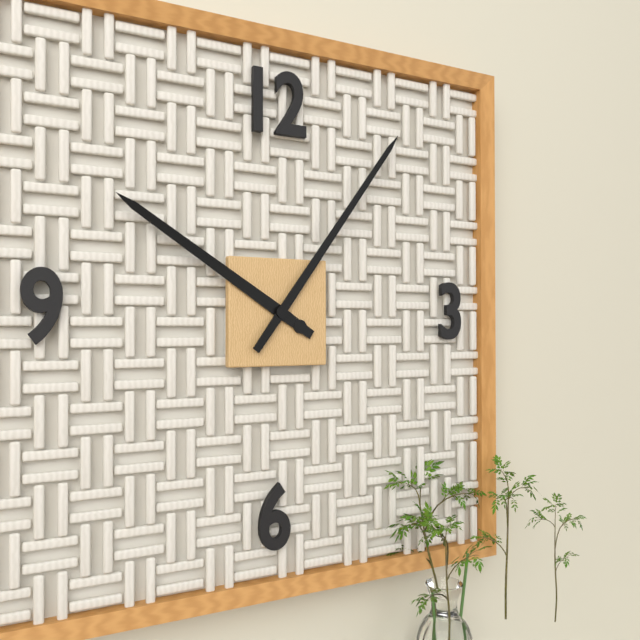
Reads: 10:06
